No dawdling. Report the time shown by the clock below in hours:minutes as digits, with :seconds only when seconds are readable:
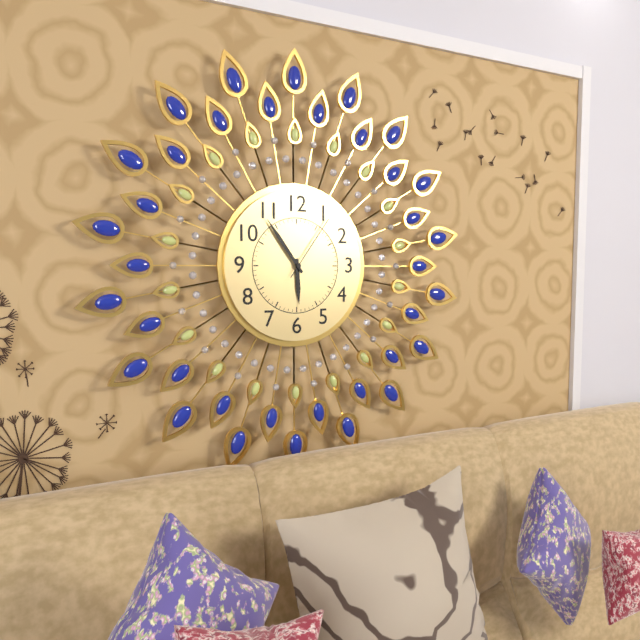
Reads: 5:54:06
